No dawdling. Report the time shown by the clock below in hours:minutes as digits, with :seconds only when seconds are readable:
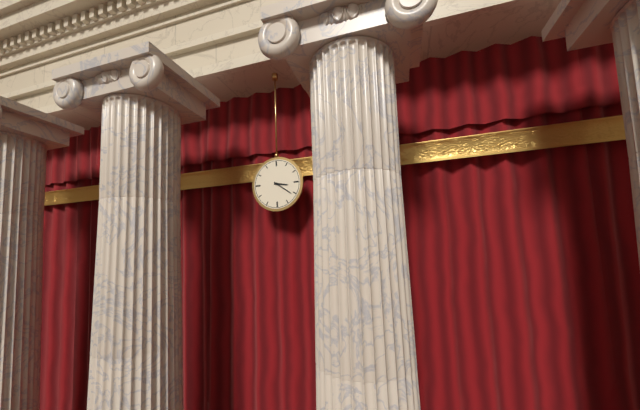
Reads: 3:21
